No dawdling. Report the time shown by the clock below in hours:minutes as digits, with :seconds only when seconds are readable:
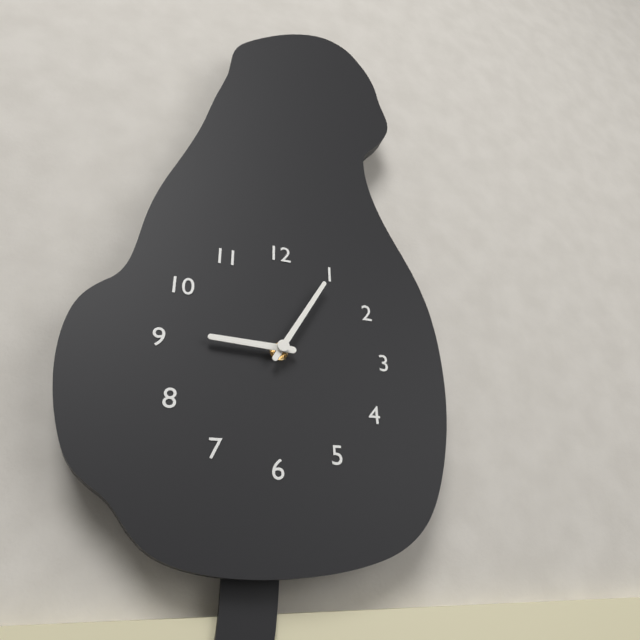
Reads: 9:05
